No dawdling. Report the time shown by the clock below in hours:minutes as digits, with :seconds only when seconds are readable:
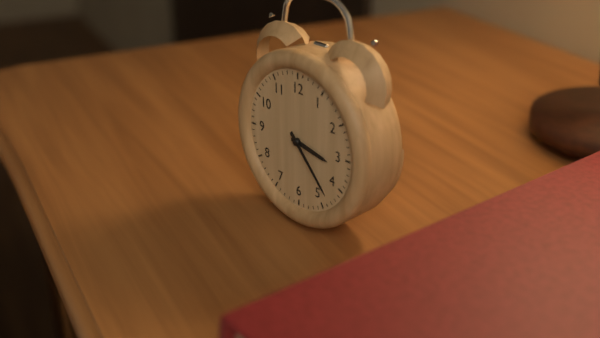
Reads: 3:23
